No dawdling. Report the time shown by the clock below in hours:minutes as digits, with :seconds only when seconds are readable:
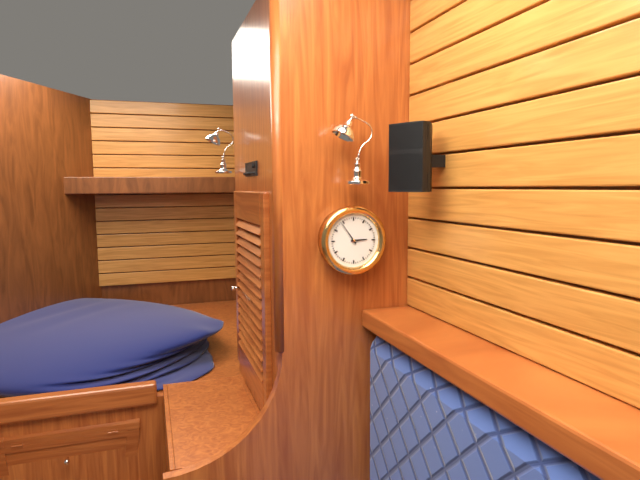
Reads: 2:54
